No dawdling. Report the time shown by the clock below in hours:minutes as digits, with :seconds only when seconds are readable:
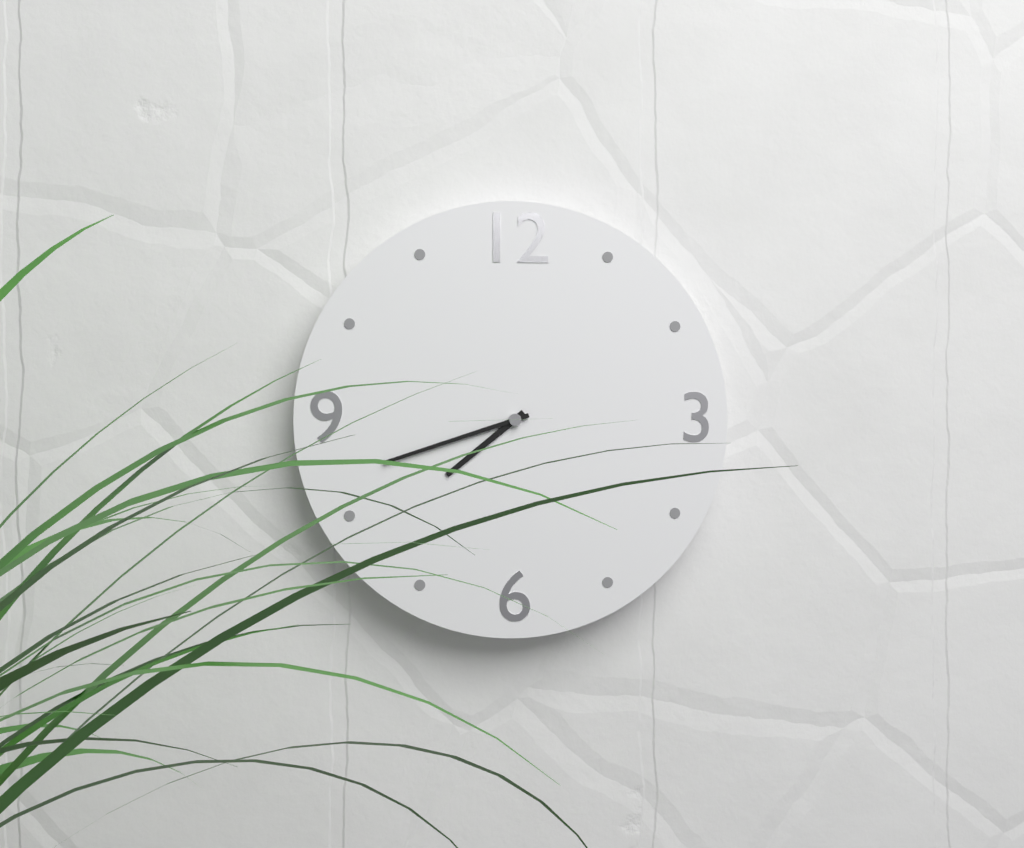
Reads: 7:42
